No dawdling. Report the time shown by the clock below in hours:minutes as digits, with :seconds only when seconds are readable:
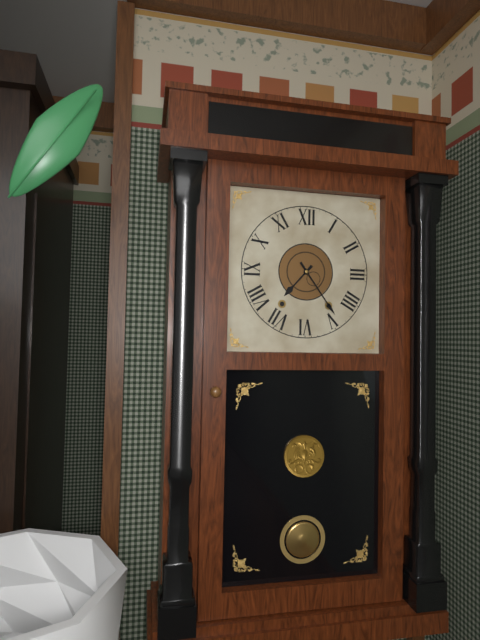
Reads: 7:24
